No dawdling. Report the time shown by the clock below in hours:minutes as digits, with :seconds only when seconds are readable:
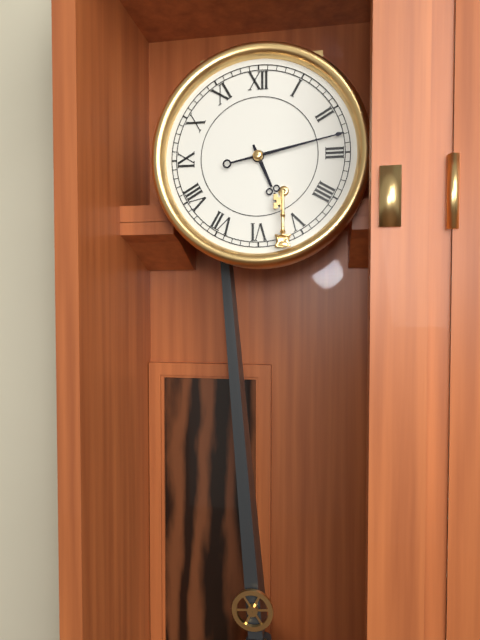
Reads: 5:13
